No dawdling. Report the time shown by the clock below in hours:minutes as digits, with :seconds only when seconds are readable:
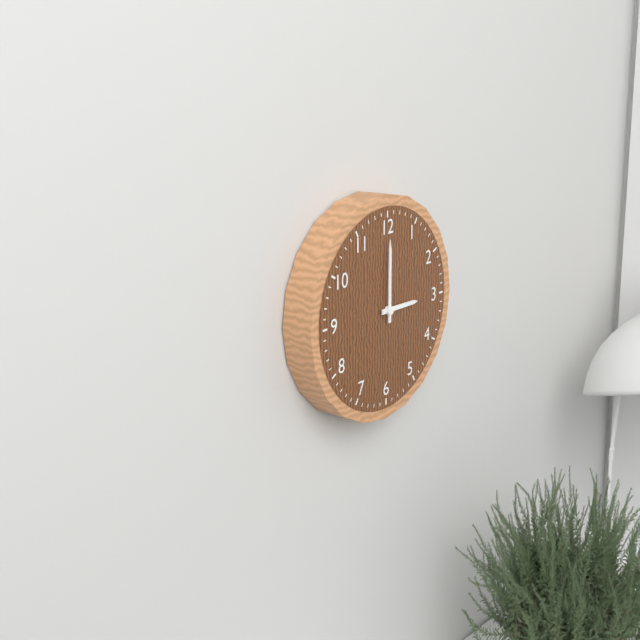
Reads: 3:00
